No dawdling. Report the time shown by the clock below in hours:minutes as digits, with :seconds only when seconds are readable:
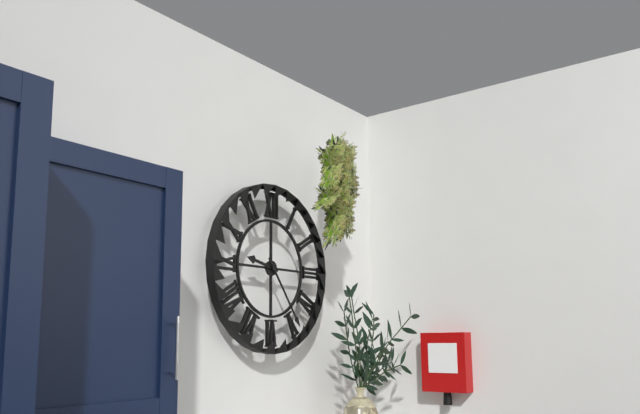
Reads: 9:24
